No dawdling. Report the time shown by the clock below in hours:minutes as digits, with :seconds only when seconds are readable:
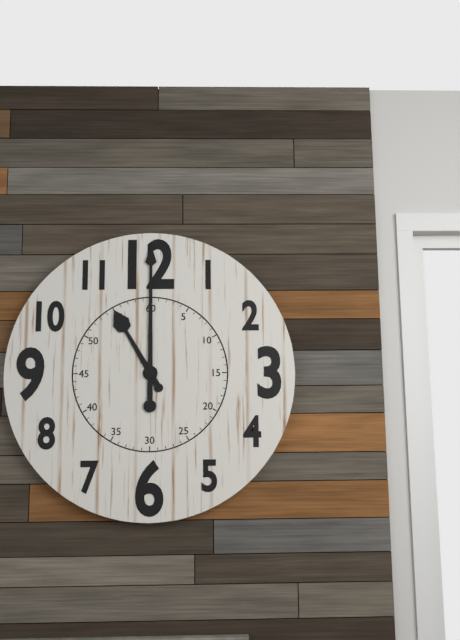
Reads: 11:00
